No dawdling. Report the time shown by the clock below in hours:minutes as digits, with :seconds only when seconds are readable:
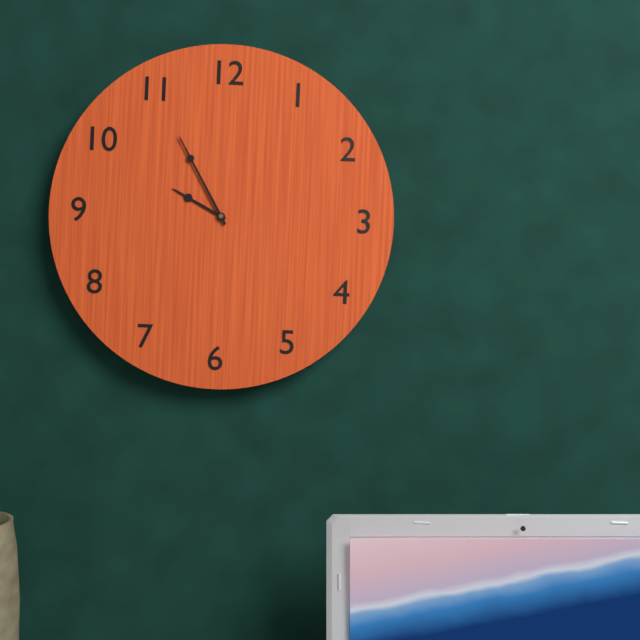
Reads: 9:55
